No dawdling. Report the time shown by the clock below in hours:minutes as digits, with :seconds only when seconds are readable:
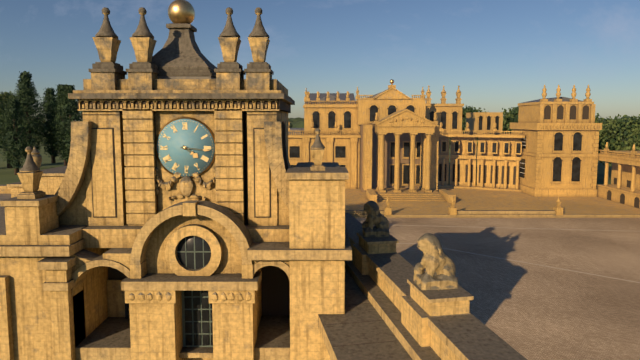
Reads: 4:16
